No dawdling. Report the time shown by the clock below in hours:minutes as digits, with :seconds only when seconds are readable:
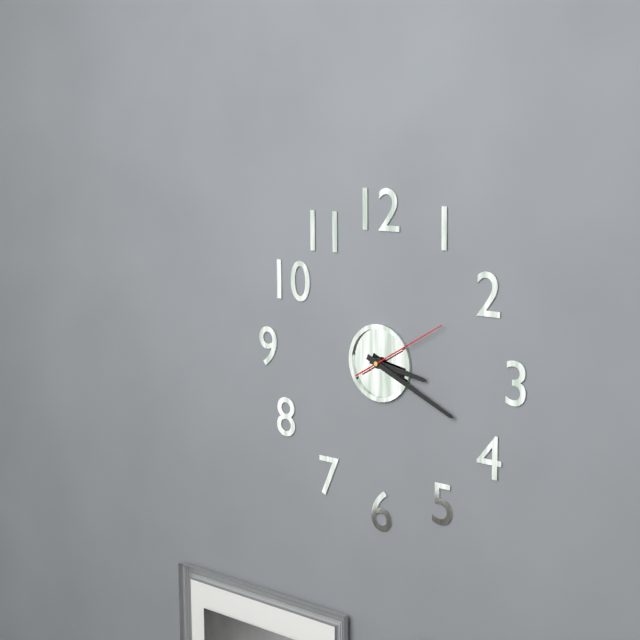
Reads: 3:19:10
